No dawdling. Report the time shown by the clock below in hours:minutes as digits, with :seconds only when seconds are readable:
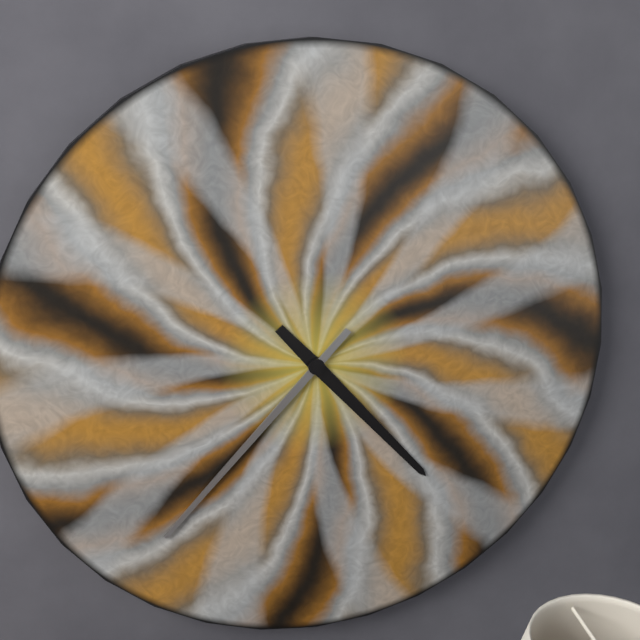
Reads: 4:37
